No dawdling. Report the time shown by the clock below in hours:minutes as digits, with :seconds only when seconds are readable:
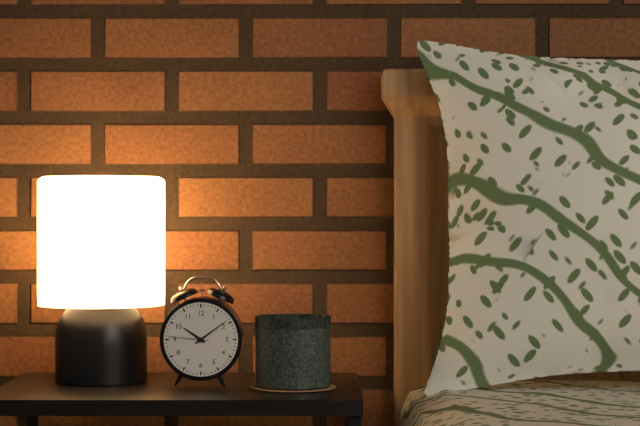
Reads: 10:09
